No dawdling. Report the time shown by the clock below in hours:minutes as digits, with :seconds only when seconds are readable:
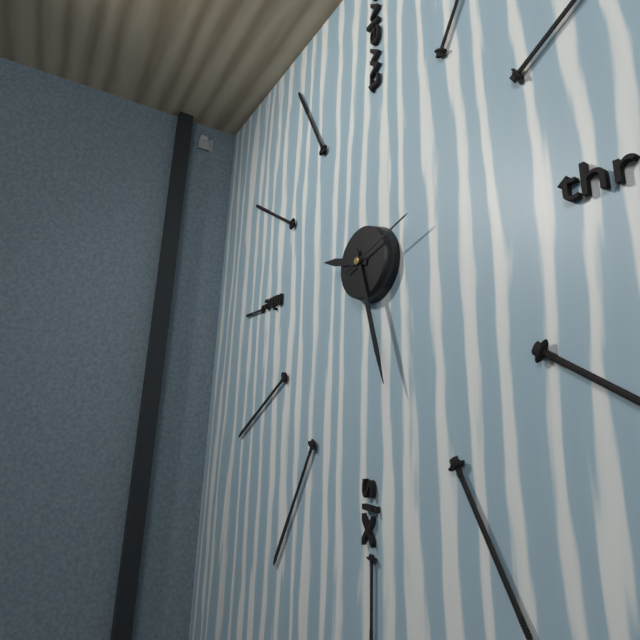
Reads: 9:27:12
